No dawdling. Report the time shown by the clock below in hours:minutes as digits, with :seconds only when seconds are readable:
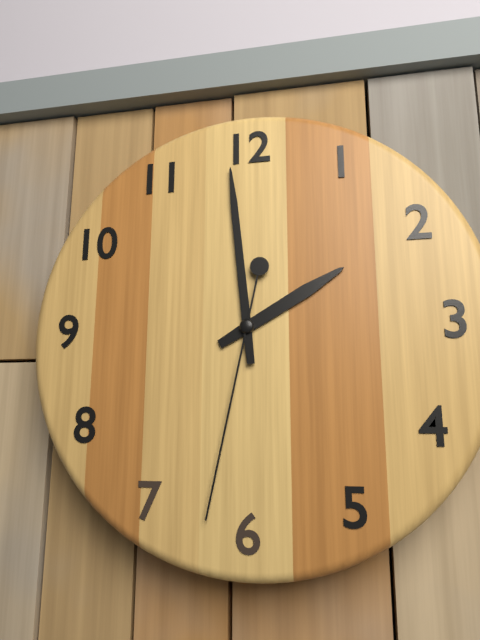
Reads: 1:59:32
